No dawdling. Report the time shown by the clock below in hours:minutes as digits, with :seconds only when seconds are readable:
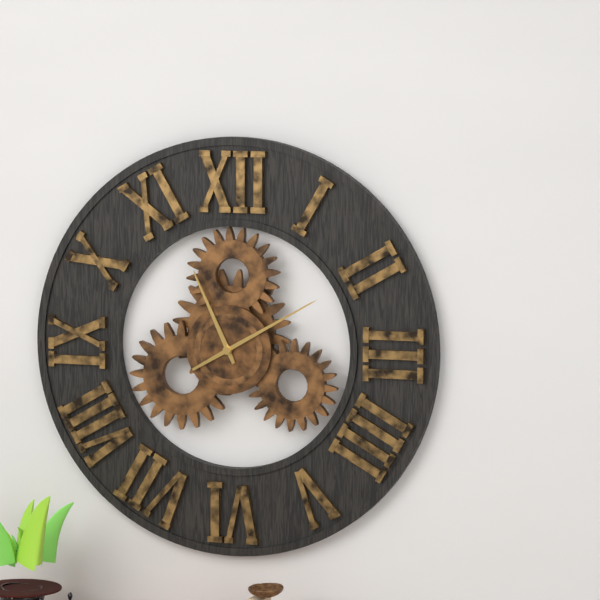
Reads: 11:10
